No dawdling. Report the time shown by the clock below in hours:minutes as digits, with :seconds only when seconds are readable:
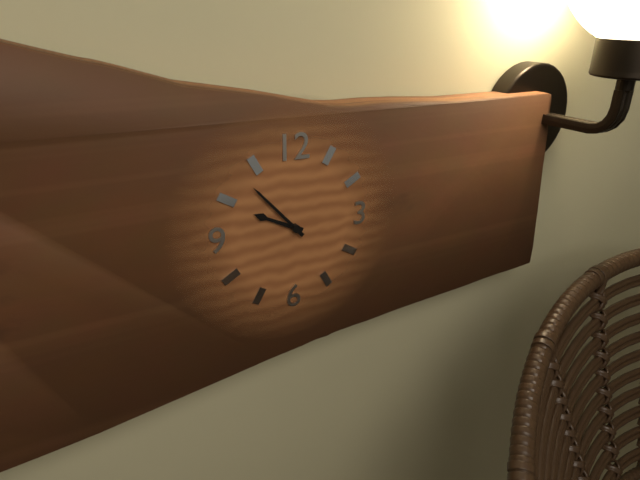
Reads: 9:53
